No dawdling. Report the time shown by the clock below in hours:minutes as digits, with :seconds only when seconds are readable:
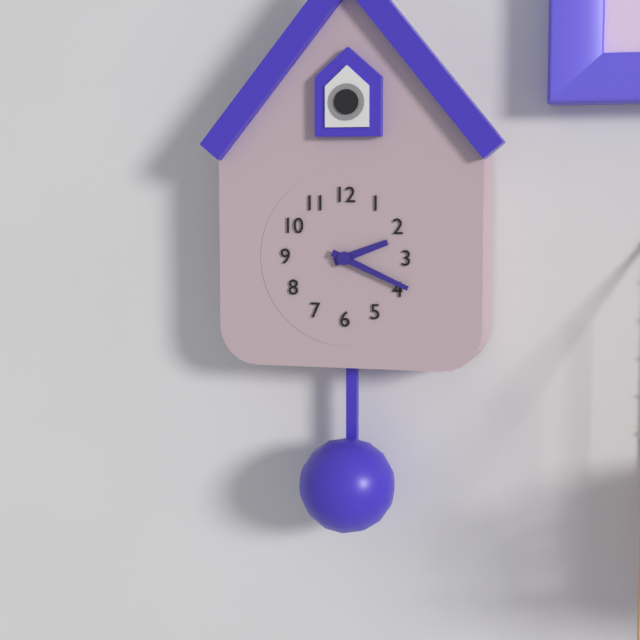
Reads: 2:19
